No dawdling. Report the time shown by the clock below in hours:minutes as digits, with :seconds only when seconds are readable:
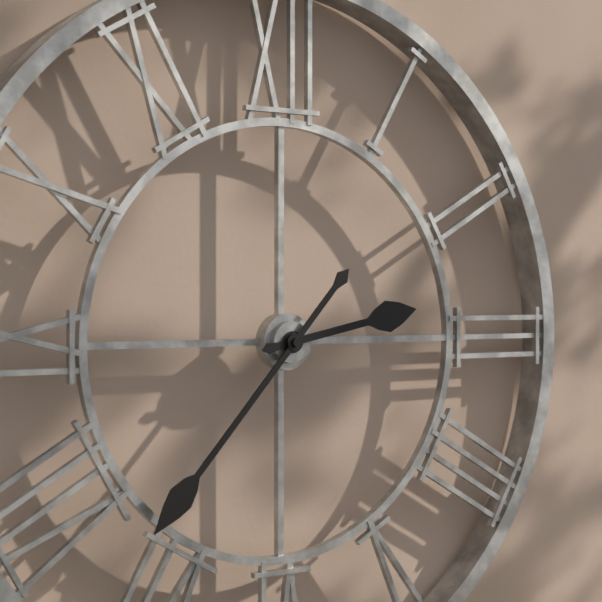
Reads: 2:37
